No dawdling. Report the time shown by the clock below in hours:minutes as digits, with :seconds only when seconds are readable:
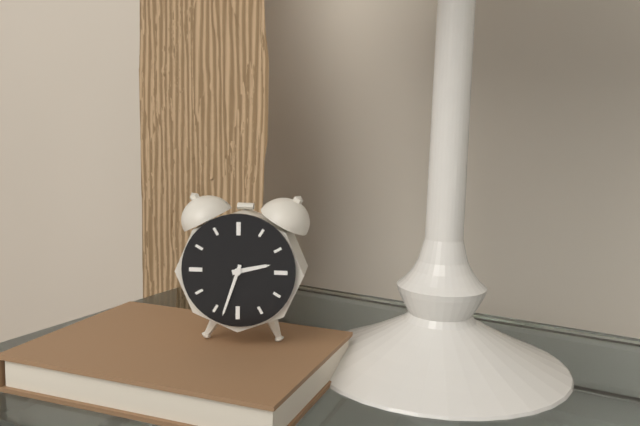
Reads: 2:33
